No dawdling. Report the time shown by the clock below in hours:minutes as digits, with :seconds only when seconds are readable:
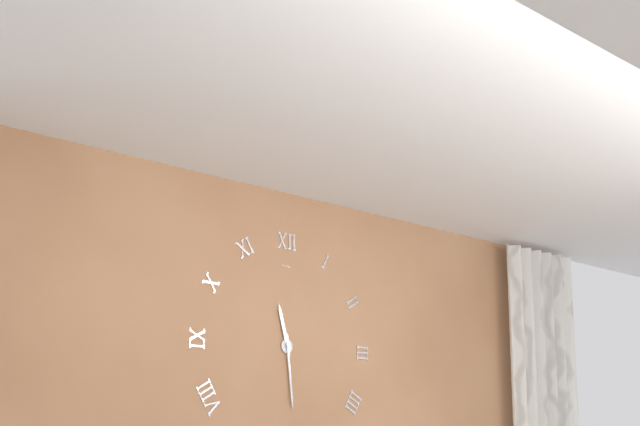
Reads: 11:29
